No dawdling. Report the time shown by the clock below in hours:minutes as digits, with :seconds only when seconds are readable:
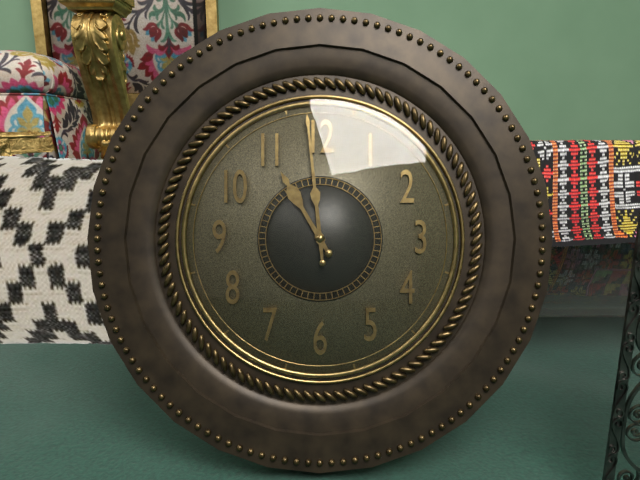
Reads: 10:59
